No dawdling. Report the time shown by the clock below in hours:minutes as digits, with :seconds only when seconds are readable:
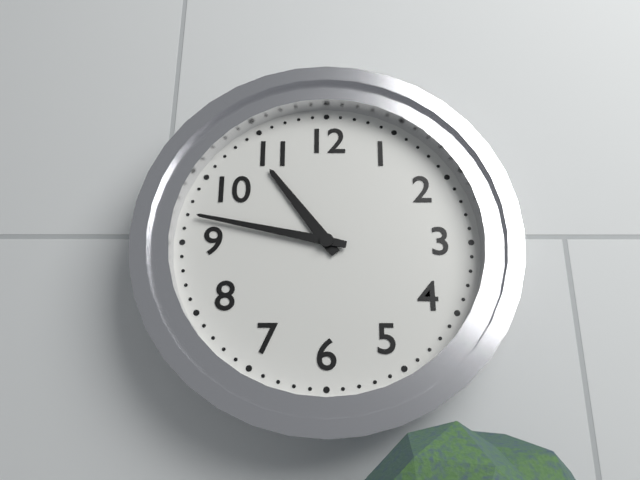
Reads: 10:47
